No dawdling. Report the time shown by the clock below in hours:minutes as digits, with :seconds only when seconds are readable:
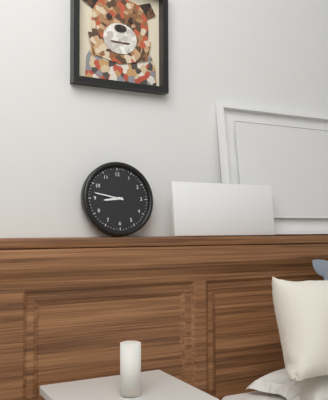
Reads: 8:47
